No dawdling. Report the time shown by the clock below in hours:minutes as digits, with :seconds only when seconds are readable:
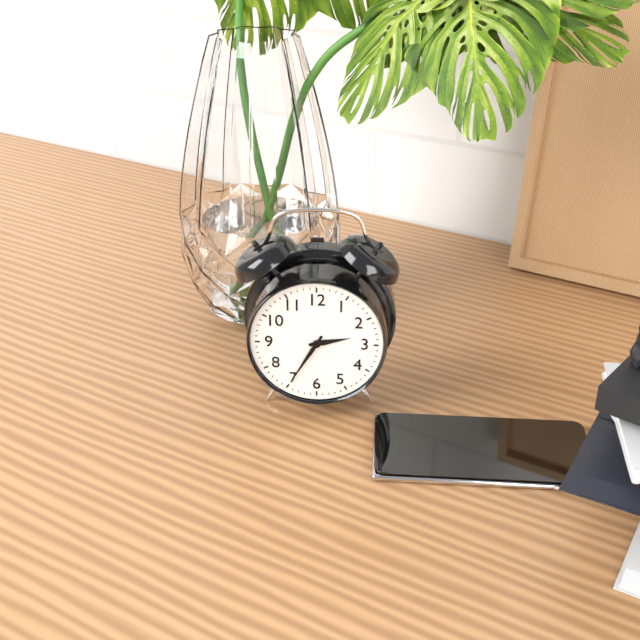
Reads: 2:35
